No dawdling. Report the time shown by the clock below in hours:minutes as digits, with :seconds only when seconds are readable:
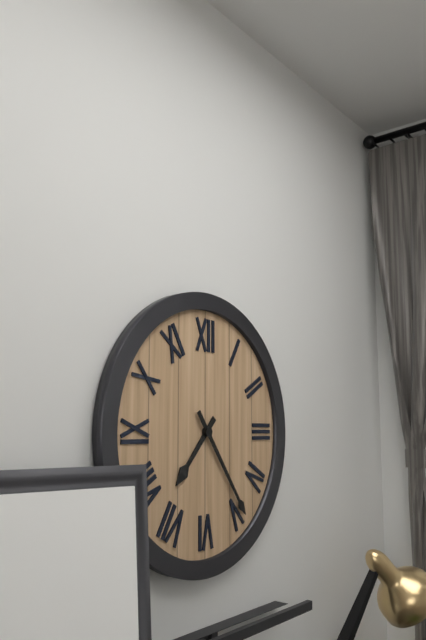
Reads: 7:24
